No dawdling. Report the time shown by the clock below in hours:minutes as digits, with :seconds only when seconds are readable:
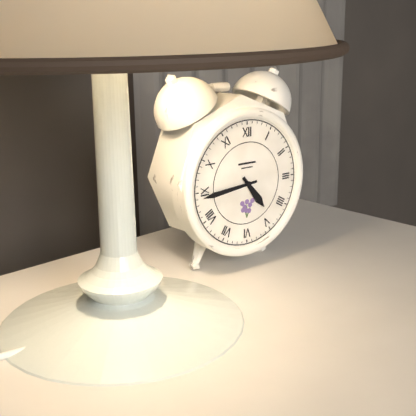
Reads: 4:44
